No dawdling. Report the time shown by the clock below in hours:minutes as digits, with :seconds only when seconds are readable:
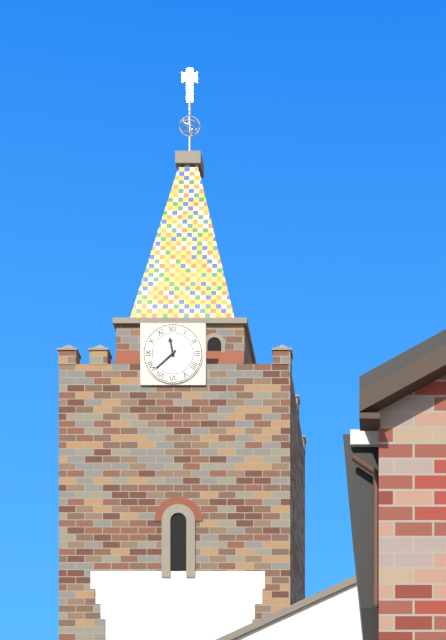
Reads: 11:38
